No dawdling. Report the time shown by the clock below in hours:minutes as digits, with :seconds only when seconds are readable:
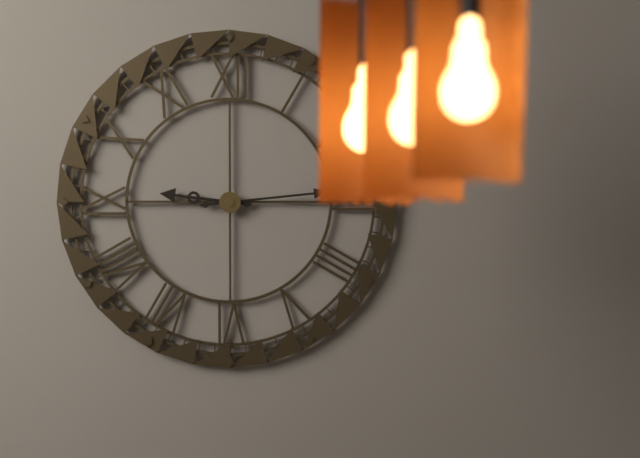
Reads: 9:14
